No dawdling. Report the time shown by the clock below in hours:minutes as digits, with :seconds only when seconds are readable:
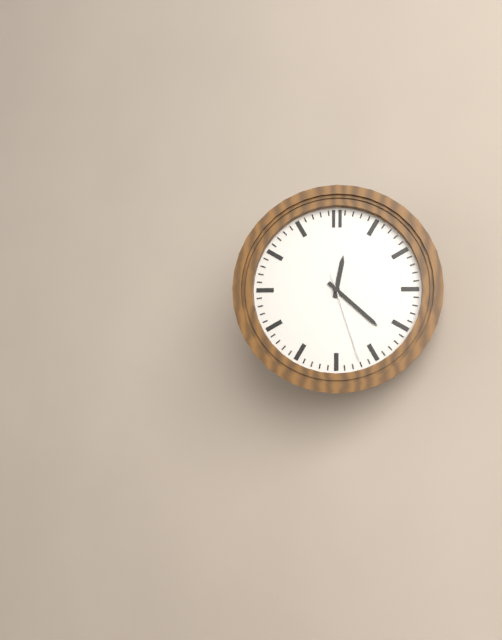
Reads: 12:22:27
